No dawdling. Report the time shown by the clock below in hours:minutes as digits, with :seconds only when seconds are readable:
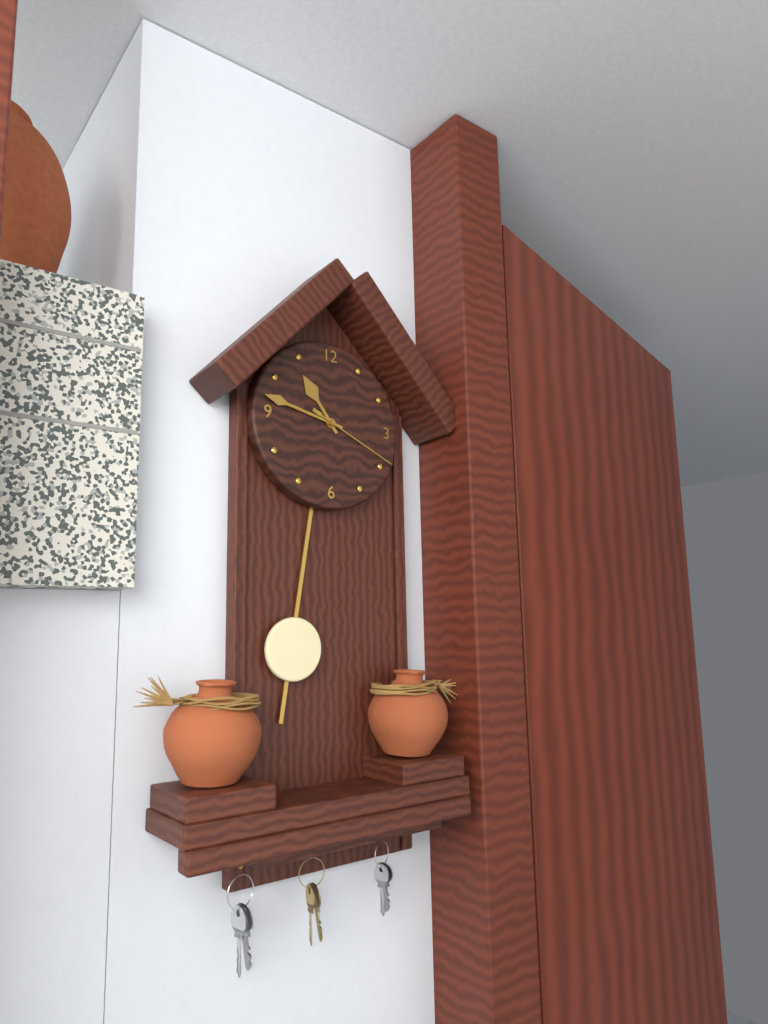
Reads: 10:47:19
